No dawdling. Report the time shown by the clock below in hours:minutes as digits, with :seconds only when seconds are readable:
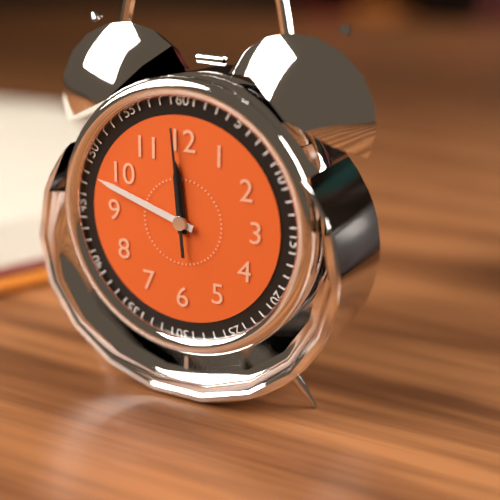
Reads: 11:48:59
